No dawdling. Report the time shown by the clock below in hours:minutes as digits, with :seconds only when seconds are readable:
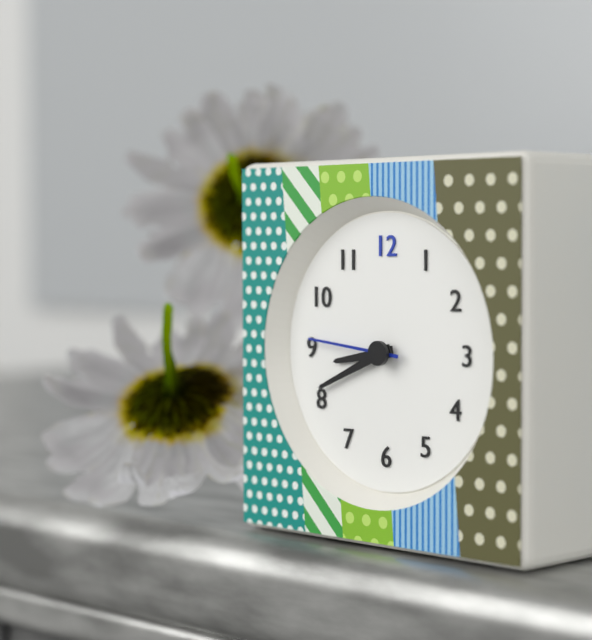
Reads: 8:41:46
